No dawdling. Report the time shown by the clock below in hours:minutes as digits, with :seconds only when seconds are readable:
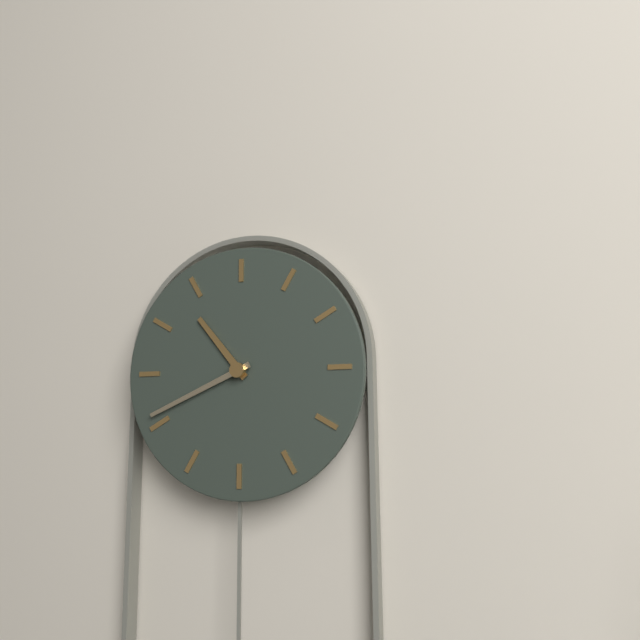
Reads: 10:41
